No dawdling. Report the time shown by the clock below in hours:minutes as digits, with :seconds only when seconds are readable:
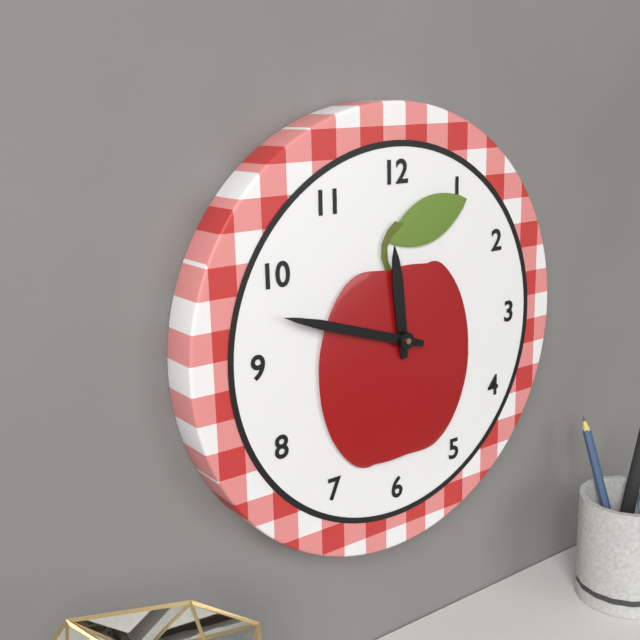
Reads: 11:48
